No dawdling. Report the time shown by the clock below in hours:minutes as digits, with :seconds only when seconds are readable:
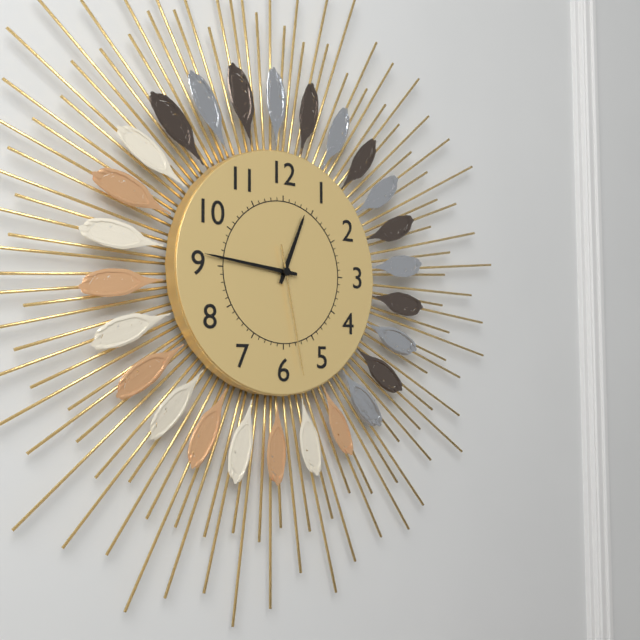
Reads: 12:46:28
